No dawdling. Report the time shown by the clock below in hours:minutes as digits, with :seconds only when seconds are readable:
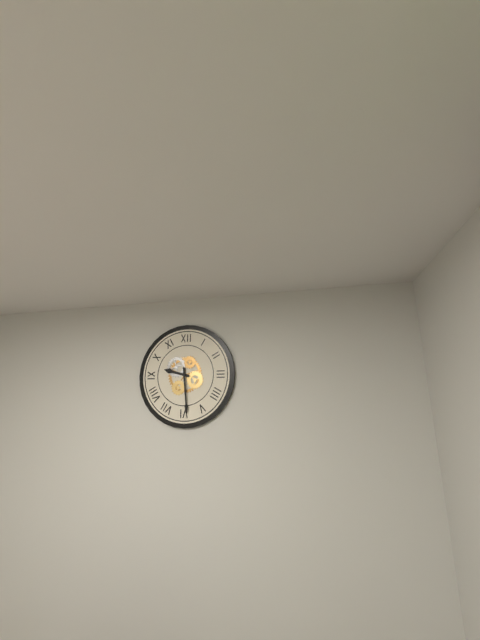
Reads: 9:29
